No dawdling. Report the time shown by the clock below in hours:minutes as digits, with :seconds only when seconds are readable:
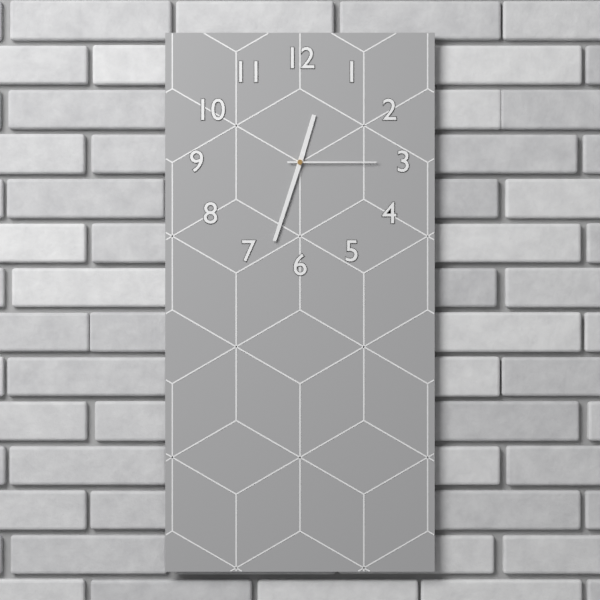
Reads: 12:33:15
